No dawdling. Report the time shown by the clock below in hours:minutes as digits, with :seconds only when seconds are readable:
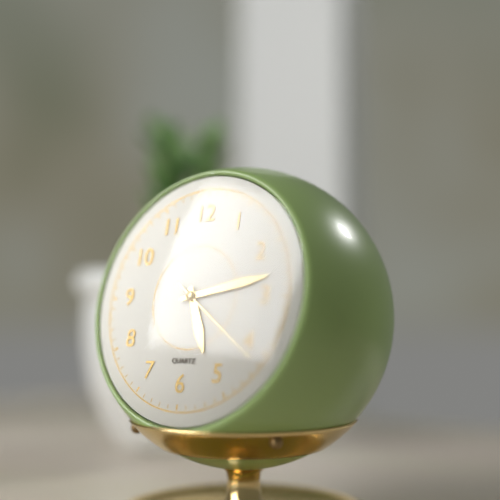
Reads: 5:13:21
